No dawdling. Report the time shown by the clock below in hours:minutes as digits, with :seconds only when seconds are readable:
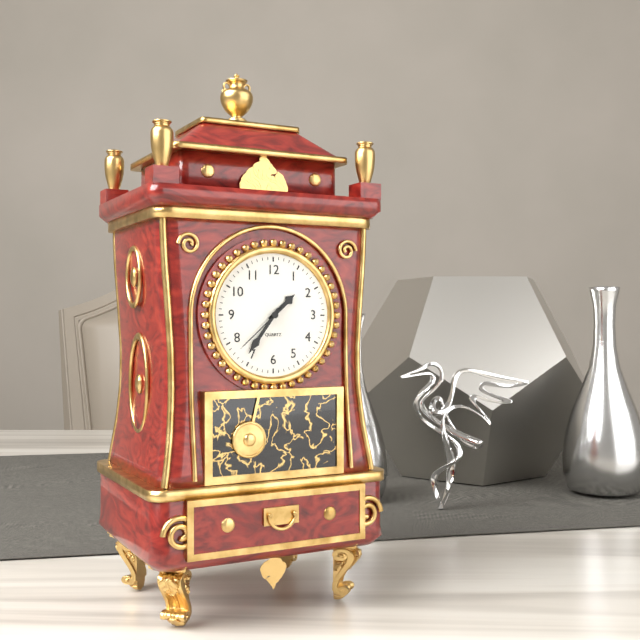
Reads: 1:36:38
